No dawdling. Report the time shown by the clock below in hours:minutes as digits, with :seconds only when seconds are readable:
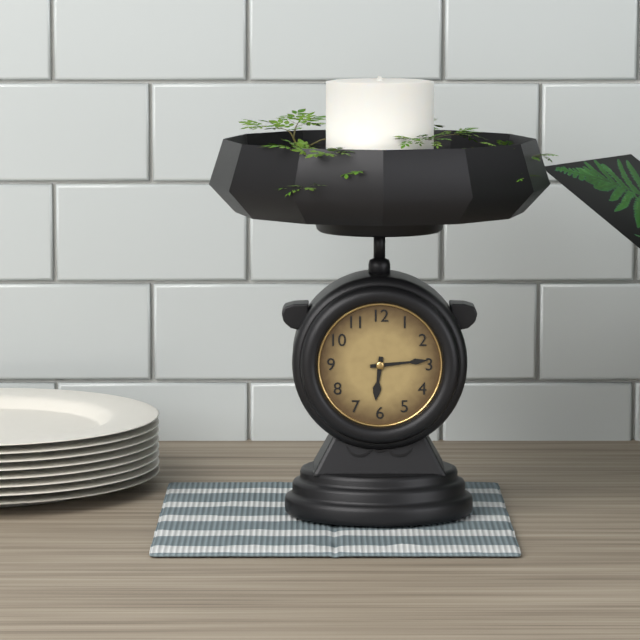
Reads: 6:14
